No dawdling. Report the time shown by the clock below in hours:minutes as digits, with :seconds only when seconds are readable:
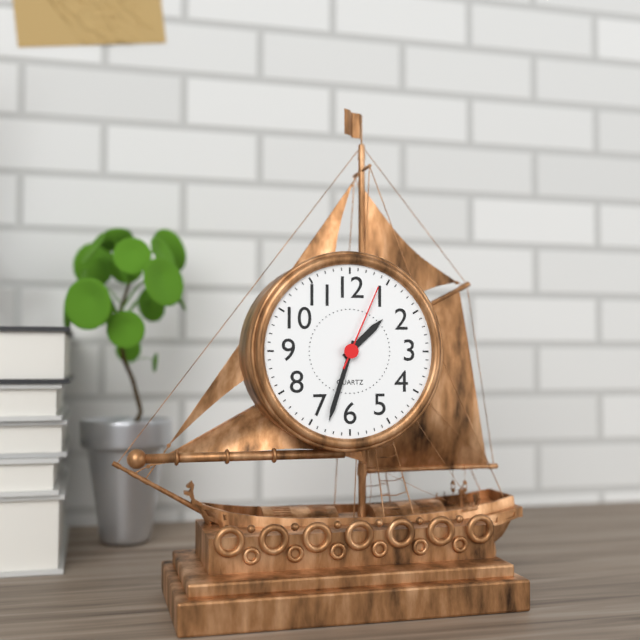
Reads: 1:33:04
